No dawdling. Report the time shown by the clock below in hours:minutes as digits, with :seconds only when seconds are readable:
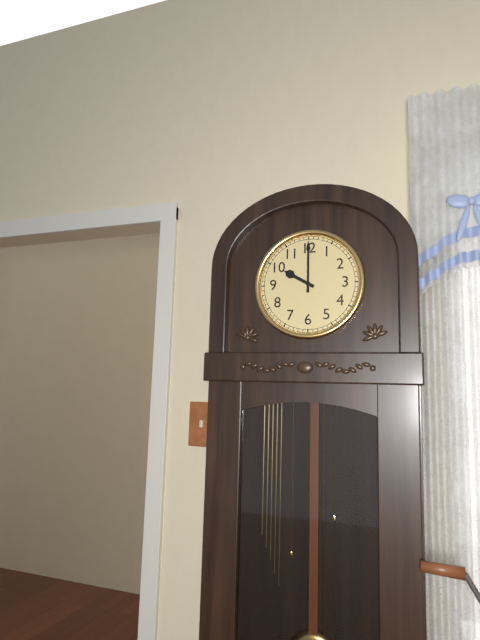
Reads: 10:00
